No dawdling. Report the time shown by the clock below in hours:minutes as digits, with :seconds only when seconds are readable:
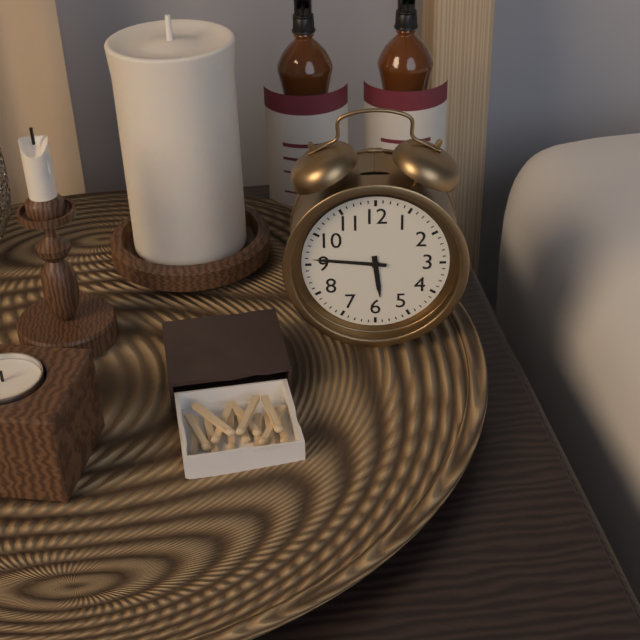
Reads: 5:46
